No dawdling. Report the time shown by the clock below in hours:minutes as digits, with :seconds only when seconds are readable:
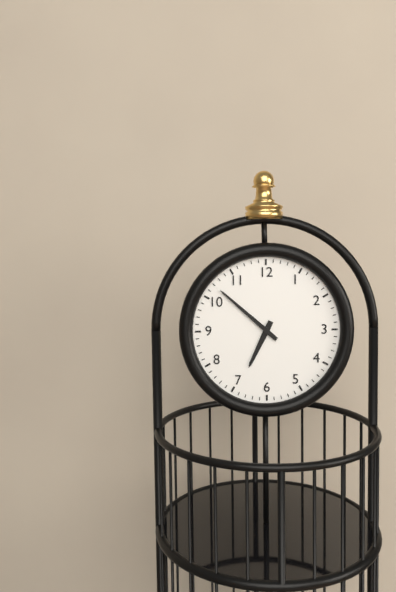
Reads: 6:52
